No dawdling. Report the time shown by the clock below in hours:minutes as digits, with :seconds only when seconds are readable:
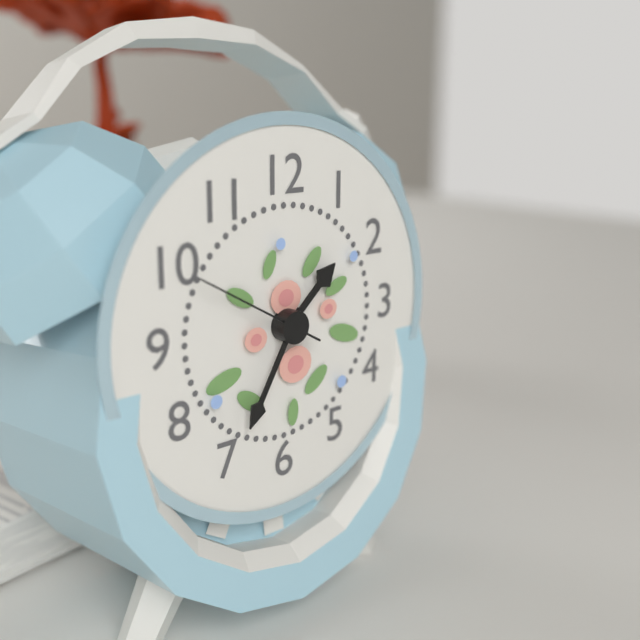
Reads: 1:35:50
